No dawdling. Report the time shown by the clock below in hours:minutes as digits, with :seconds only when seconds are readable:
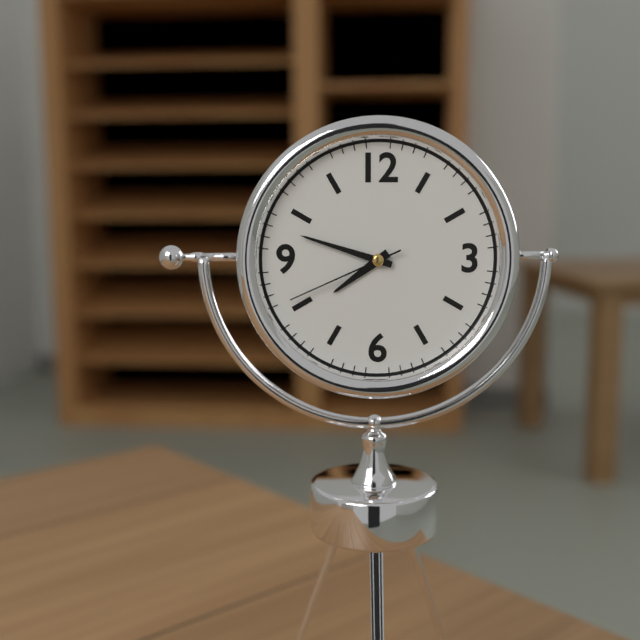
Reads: 7:48:41
